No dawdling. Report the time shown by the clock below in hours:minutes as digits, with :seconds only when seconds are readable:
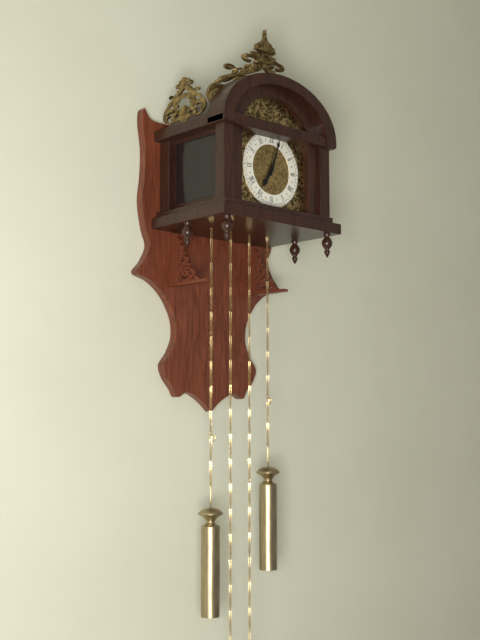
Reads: 7:03
